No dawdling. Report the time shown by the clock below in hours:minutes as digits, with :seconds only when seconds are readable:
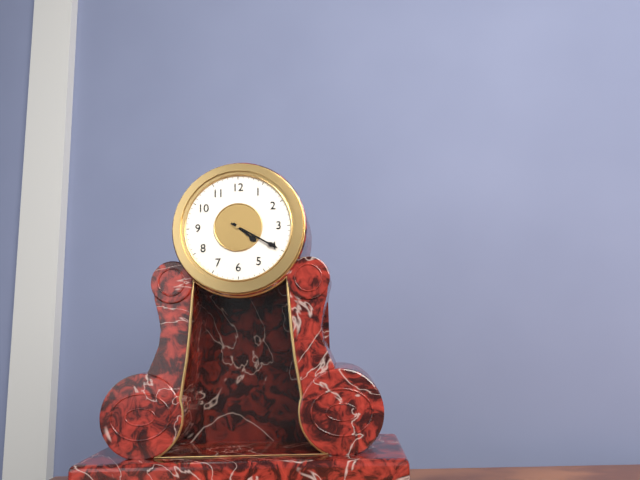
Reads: 4:20
